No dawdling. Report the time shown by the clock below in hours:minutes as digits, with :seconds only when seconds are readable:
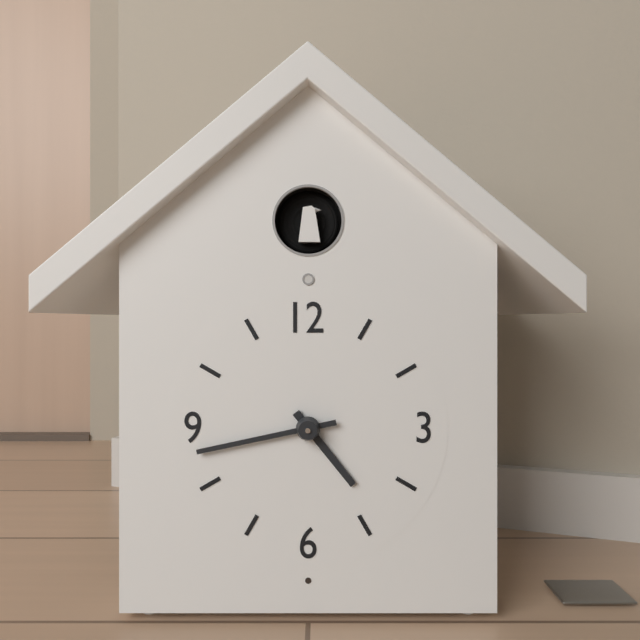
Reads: 4:43
